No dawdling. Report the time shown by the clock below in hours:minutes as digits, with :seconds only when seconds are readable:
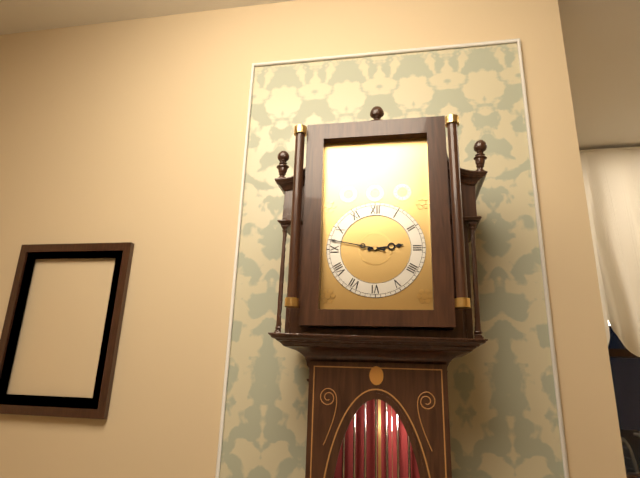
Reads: 2:47
